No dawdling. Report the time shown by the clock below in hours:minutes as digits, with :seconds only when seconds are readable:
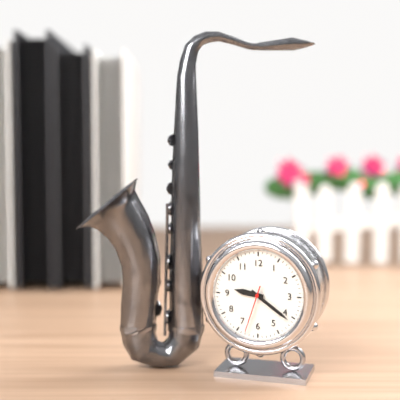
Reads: 9:21
